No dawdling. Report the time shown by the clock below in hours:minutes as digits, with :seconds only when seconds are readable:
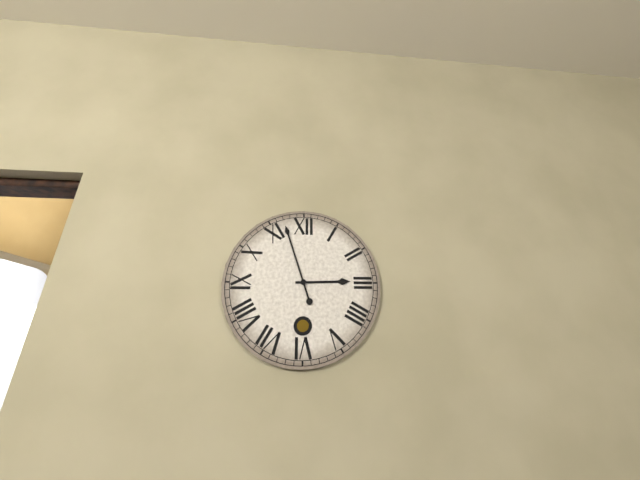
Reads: 2:57
